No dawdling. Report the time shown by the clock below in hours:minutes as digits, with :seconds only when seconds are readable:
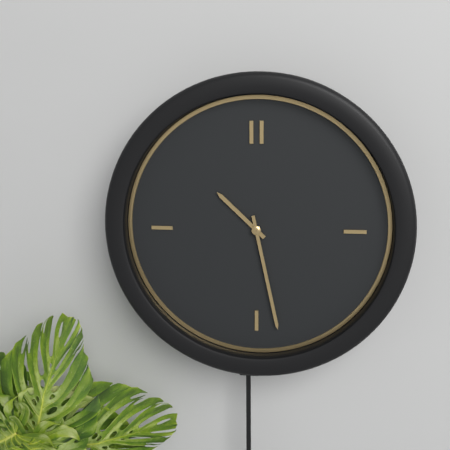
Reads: 10:28
